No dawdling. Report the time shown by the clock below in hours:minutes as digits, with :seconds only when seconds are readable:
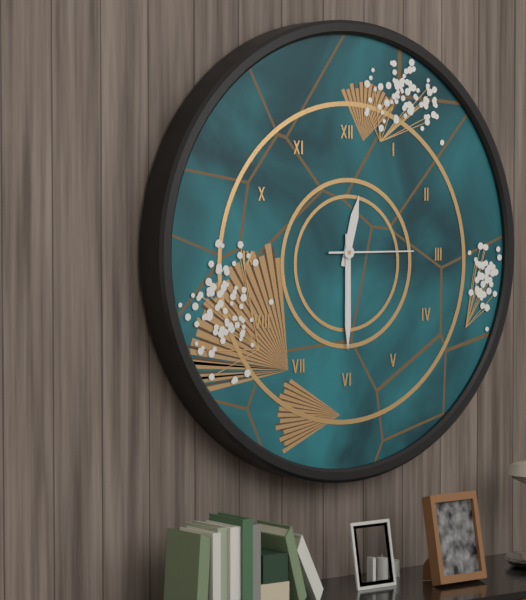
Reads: 12:30:15
